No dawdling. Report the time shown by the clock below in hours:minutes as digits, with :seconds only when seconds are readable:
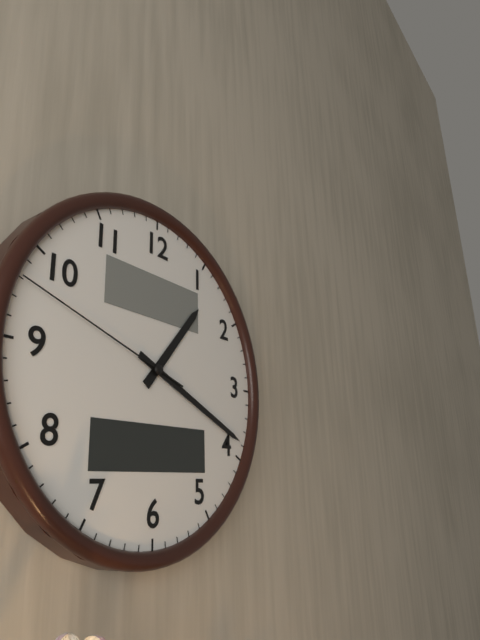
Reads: 1:19:48
